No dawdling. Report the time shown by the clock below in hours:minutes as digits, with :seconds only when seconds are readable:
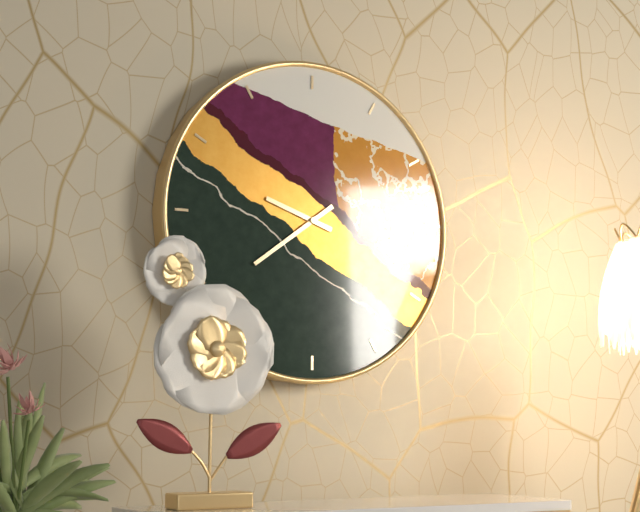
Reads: 9:39
